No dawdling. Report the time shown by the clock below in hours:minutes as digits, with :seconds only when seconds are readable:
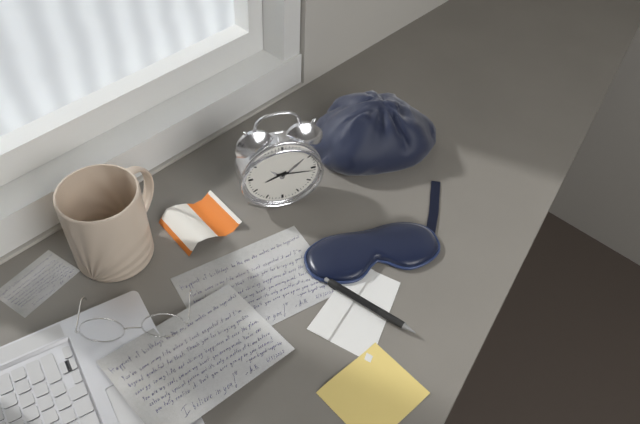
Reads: 8:16
